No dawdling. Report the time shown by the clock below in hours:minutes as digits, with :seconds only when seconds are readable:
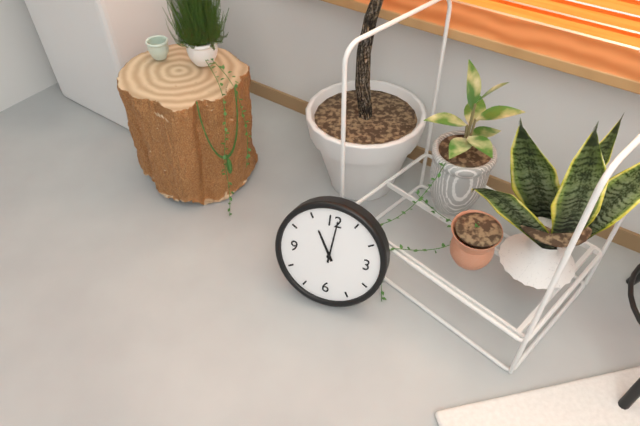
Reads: 11:01
